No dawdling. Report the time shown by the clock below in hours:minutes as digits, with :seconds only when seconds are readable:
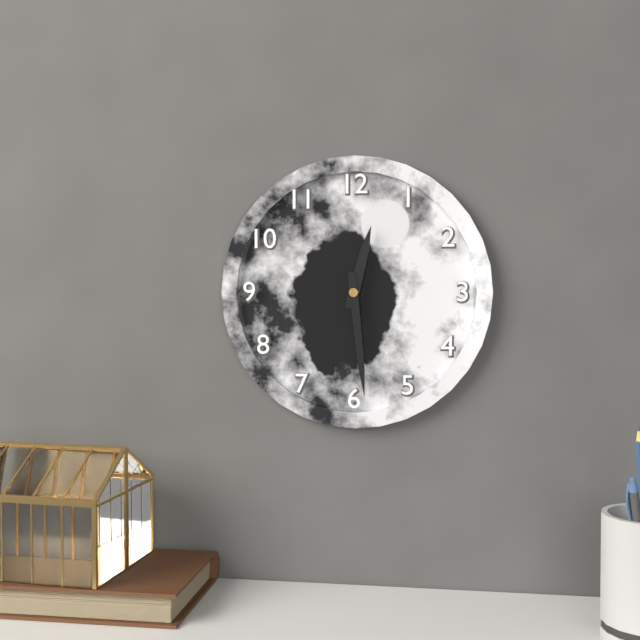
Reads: 12:29
